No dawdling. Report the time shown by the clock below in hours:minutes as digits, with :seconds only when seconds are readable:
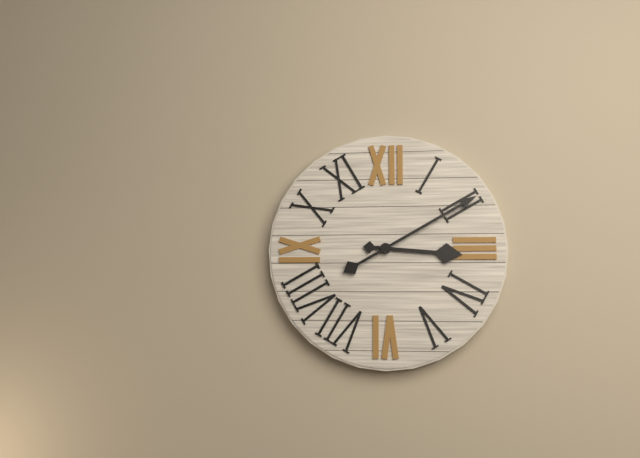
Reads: 3:10
